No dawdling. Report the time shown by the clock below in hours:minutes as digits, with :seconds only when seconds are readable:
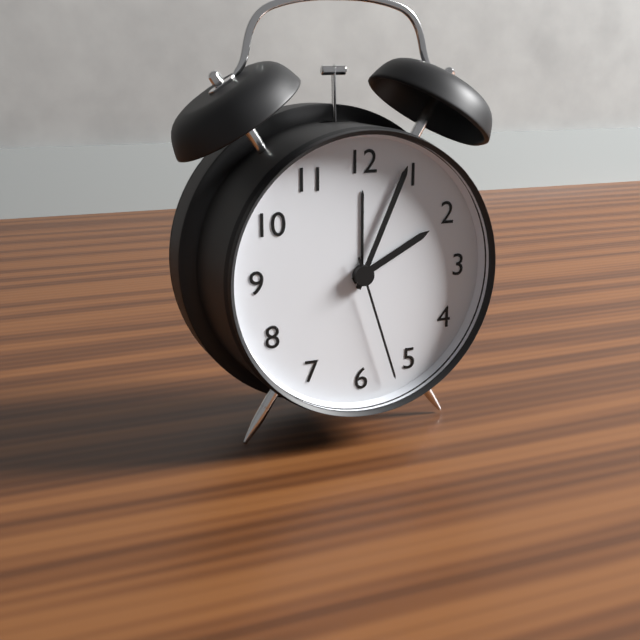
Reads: 2:04:27
